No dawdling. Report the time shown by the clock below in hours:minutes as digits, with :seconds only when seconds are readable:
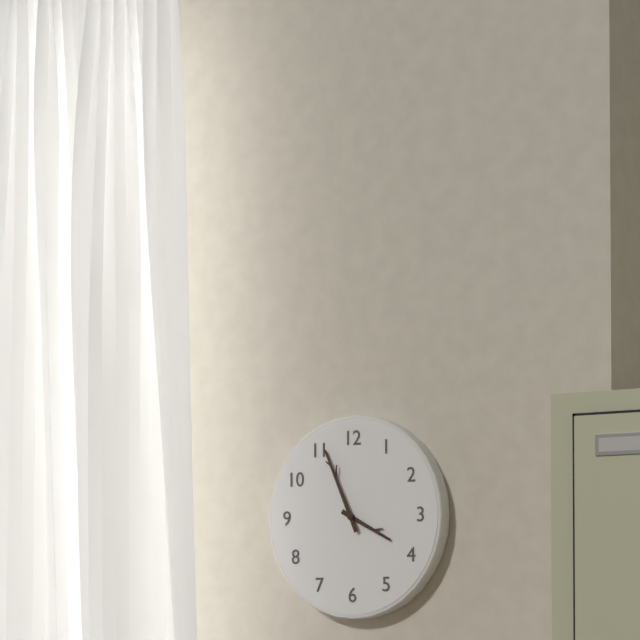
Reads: 3:56
